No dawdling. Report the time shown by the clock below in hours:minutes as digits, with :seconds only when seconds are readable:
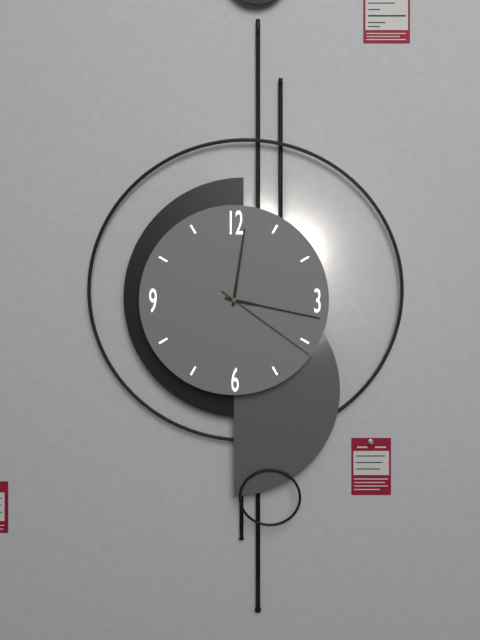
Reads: 12:17:21
